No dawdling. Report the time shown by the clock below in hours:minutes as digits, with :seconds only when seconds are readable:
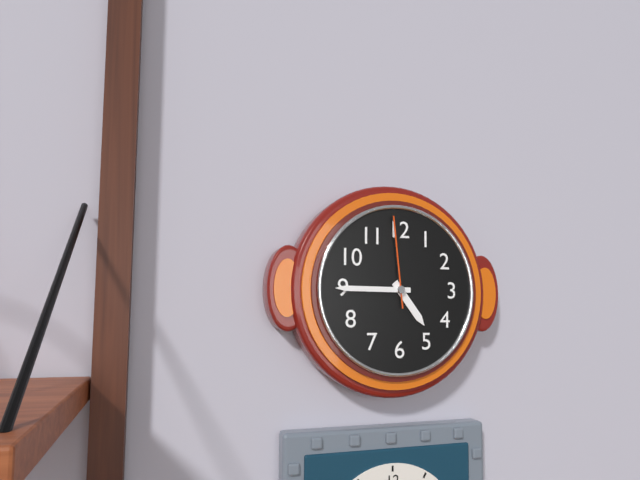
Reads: 4:45:59
